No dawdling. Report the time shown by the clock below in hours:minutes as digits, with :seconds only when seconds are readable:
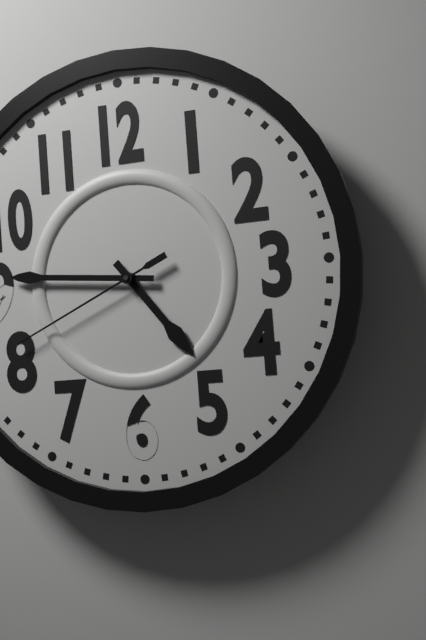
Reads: 4:46:41
